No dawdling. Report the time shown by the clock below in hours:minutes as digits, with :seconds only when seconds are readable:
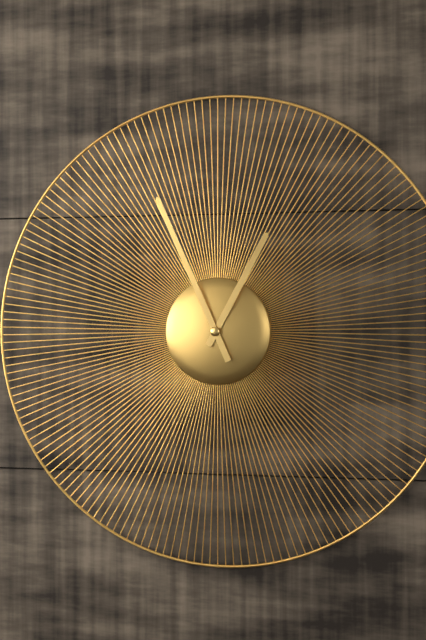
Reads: 12:56
